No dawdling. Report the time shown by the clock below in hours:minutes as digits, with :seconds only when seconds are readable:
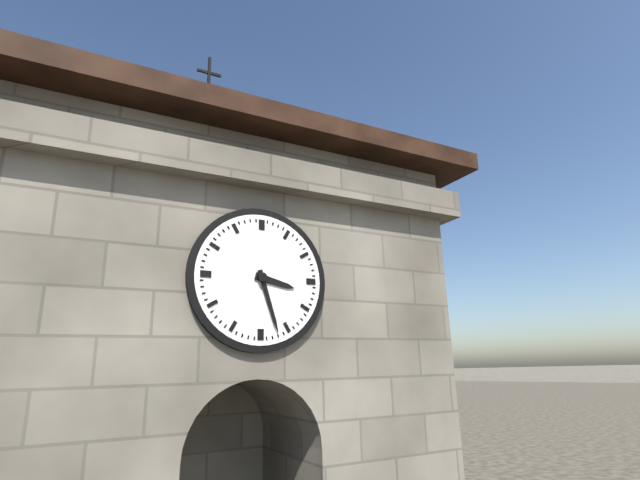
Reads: 3:27
